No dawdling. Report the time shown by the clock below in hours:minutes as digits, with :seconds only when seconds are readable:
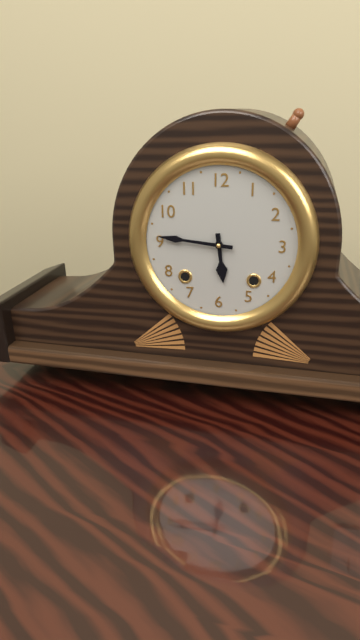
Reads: 5:46
